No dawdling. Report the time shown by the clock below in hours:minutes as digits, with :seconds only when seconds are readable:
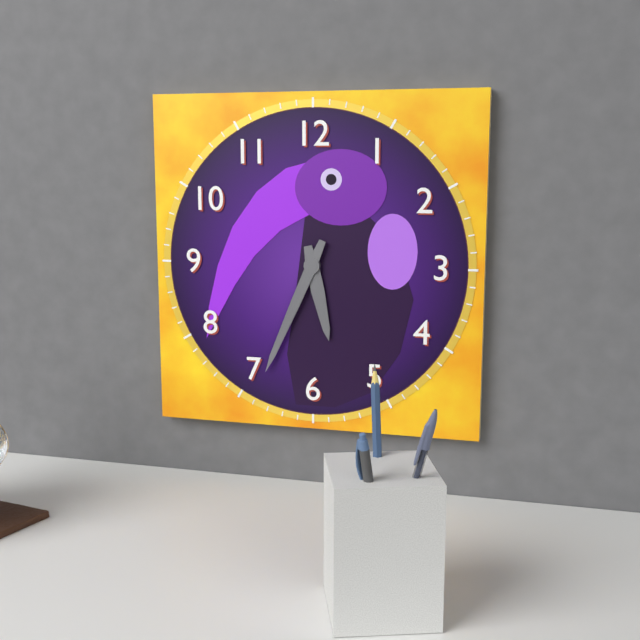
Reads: 5:34
